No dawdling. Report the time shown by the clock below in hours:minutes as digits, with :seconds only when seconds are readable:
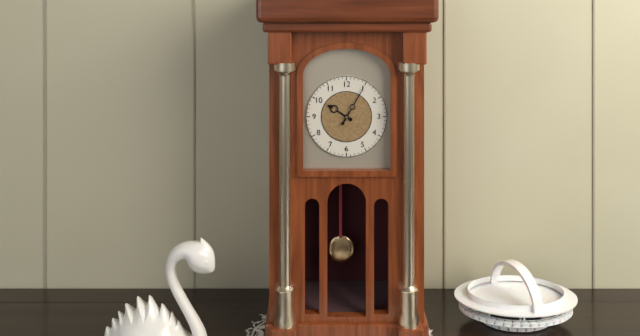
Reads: 10:05
